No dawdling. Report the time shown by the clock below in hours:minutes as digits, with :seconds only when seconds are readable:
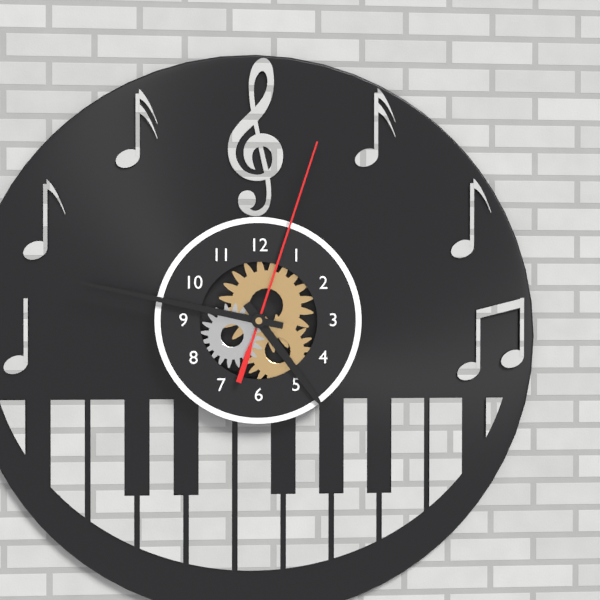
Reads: 4:47:03
